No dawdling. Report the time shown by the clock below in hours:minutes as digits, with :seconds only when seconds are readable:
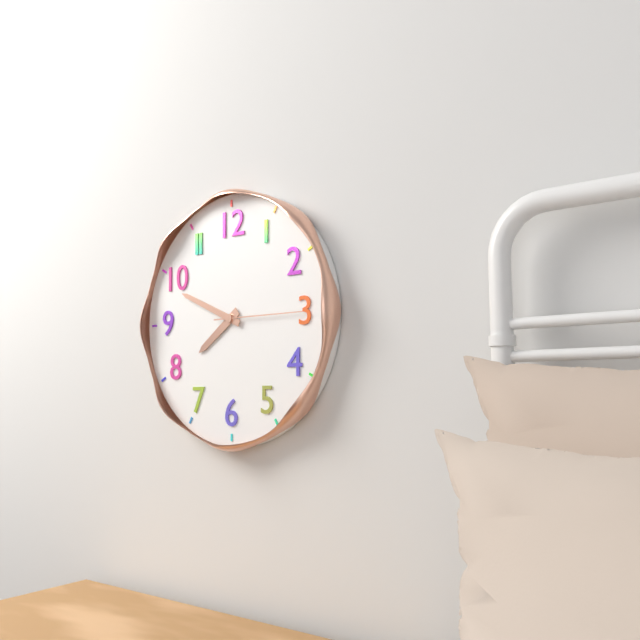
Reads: 7:49:15
